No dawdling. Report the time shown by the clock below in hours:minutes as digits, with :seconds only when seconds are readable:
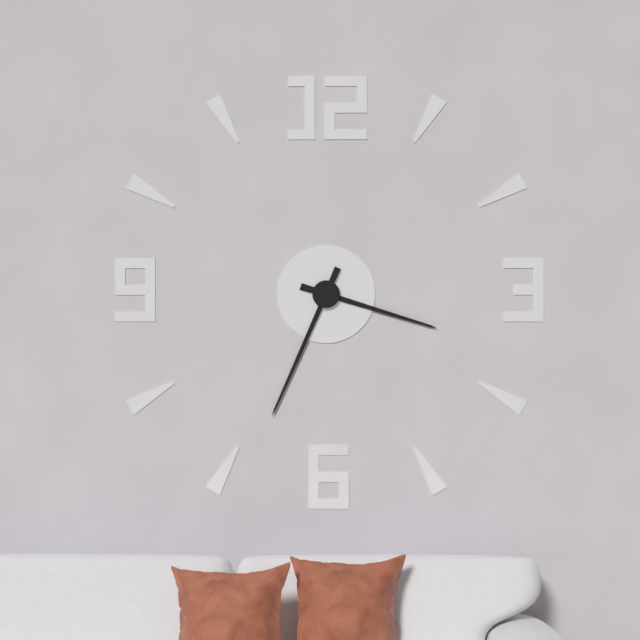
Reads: 3:34
